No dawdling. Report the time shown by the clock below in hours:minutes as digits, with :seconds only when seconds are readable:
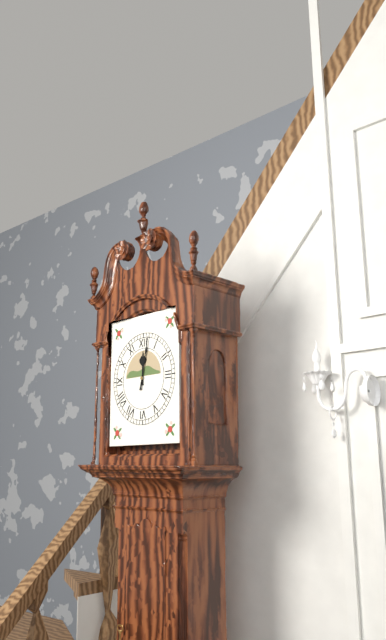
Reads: 12:02
